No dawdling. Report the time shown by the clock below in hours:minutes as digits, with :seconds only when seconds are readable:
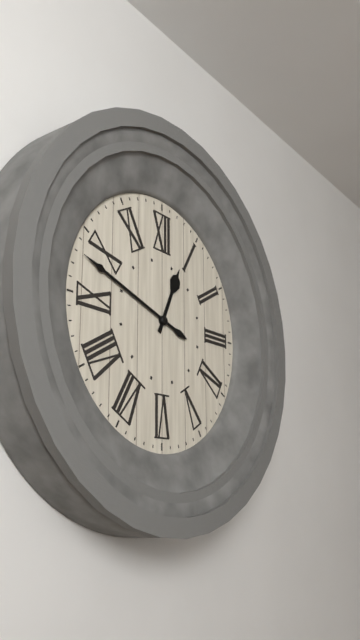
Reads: 12:48
